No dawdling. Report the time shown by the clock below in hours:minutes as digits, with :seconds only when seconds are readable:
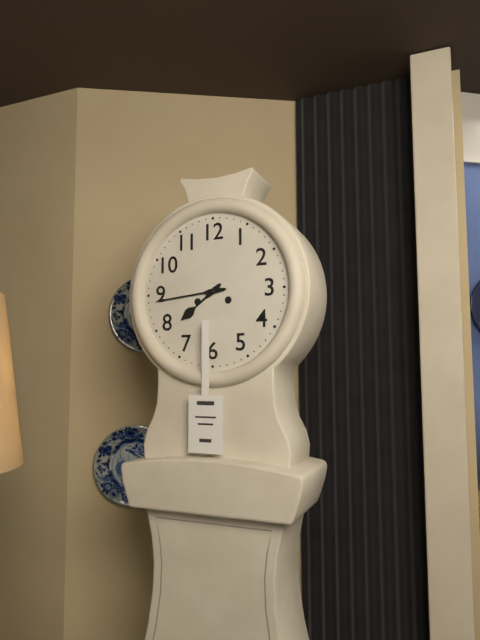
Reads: 7:44
